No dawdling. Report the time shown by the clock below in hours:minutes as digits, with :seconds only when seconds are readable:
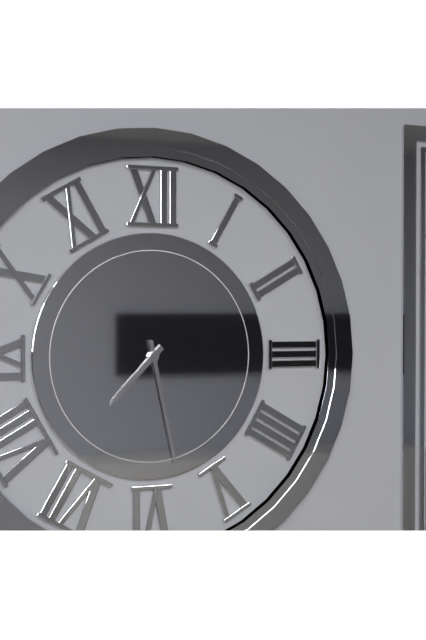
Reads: 7:28
